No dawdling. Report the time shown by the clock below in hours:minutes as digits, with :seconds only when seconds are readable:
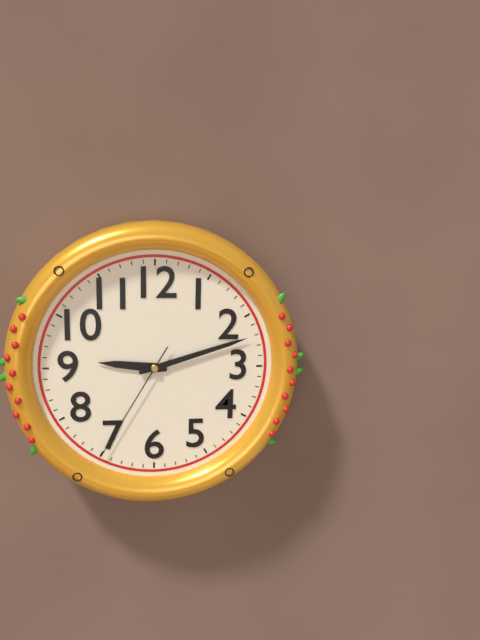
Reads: 9:12:35
